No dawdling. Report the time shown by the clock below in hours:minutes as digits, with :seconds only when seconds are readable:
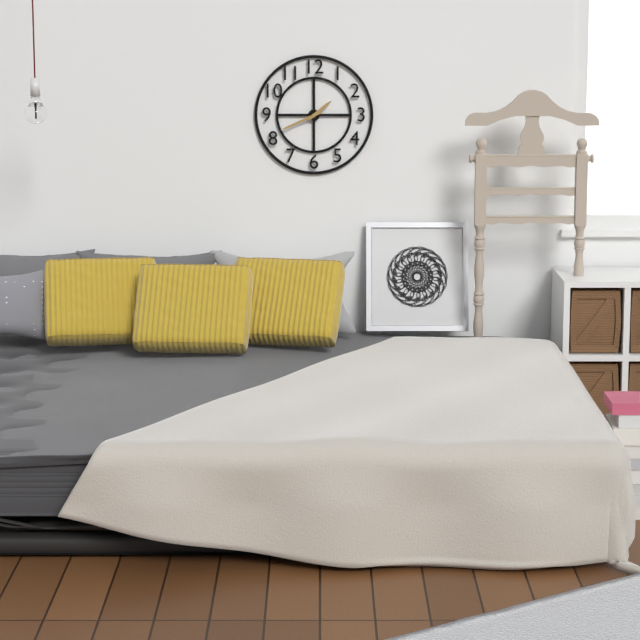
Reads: 1:41
